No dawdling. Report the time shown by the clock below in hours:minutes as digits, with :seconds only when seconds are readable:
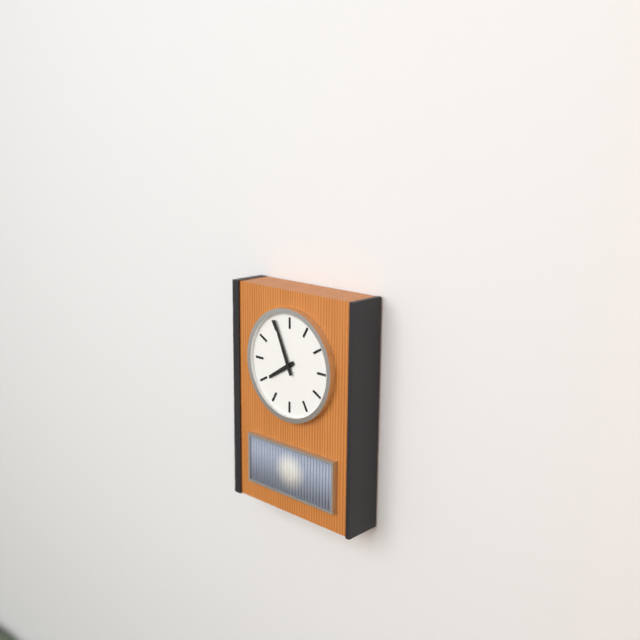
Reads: 7:56
